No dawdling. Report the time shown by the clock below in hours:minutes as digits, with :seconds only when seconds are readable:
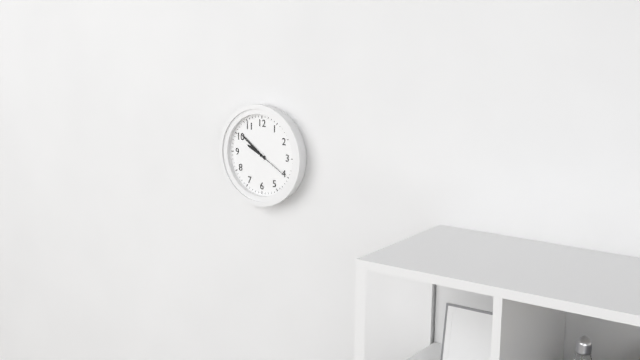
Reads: 9:51
